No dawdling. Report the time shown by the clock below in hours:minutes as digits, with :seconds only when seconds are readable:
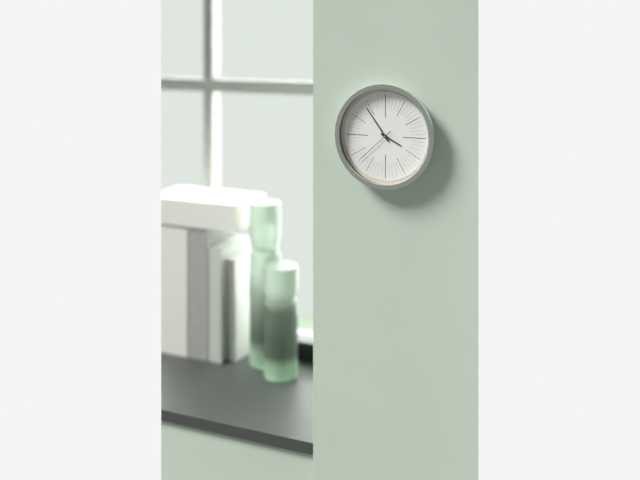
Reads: 3:54
